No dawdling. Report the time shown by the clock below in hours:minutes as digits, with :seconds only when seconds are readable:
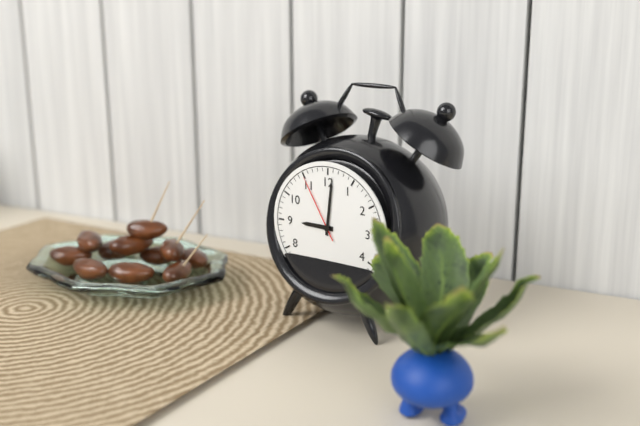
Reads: 9:01:55
